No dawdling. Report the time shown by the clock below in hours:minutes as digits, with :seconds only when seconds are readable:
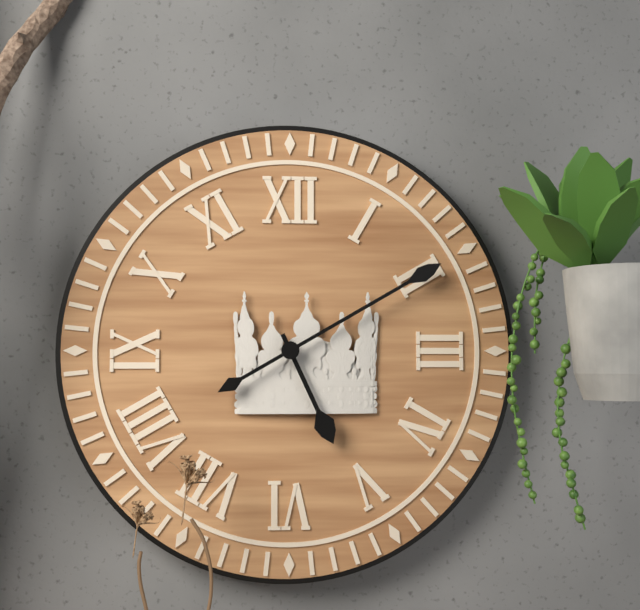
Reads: 5:10
